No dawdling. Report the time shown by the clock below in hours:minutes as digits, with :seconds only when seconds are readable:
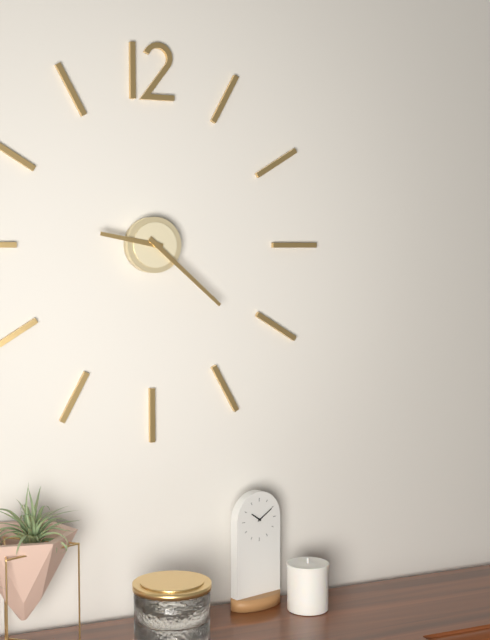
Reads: 9:22
